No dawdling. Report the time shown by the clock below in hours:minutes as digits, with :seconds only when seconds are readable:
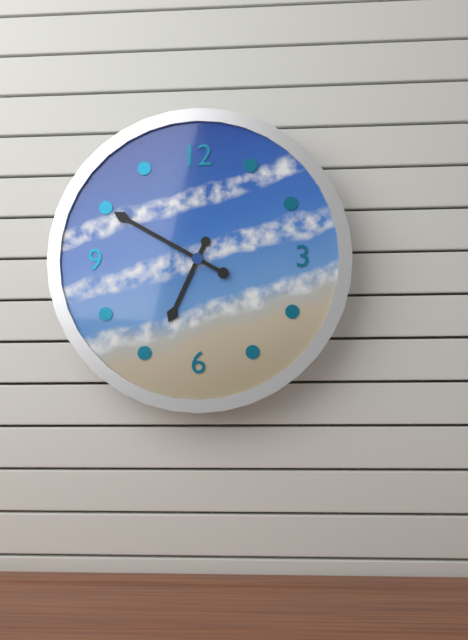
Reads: 6:50
